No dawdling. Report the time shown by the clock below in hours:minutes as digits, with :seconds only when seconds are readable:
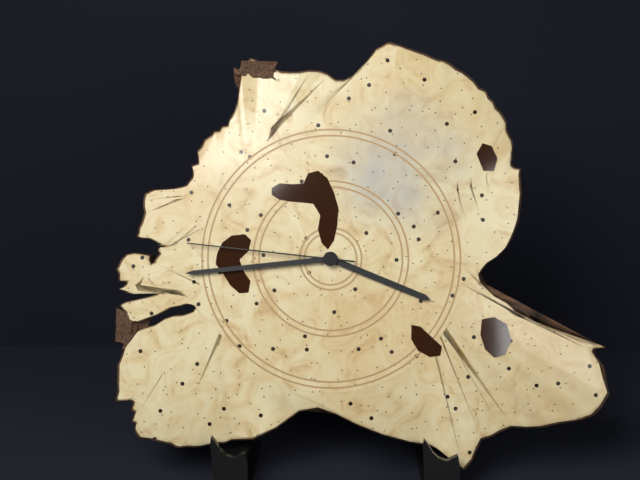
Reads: 3:44:46
